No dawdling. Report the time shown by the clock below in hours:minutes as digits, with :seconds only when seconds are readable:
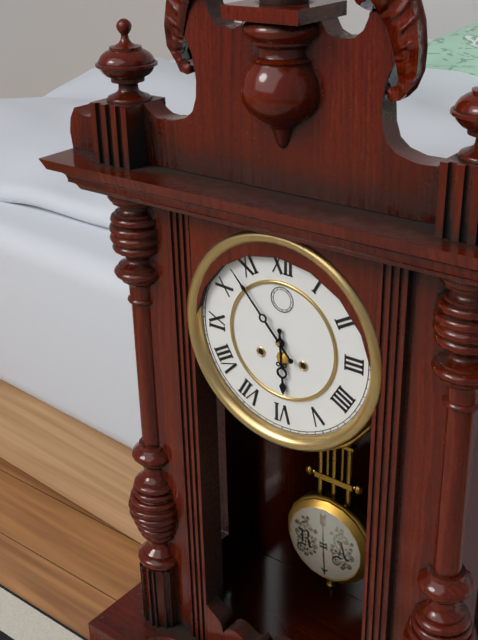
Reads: 5:53
